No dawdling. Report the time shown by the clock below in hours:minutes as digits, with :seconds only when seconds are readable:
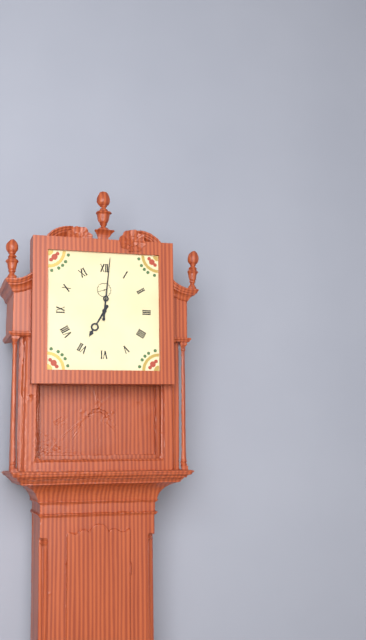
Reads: 7:01
